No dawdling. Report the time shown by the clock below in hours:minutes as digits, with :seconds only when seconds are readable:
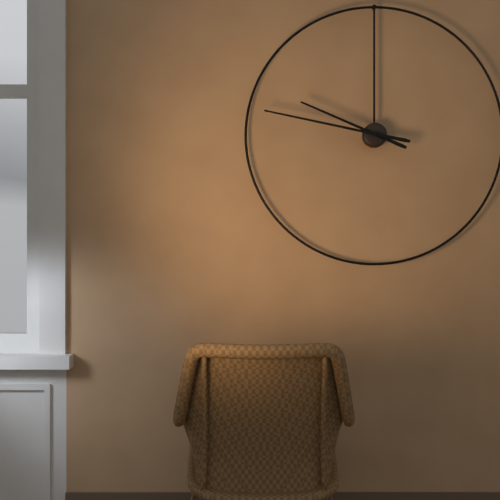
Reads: 9:47
